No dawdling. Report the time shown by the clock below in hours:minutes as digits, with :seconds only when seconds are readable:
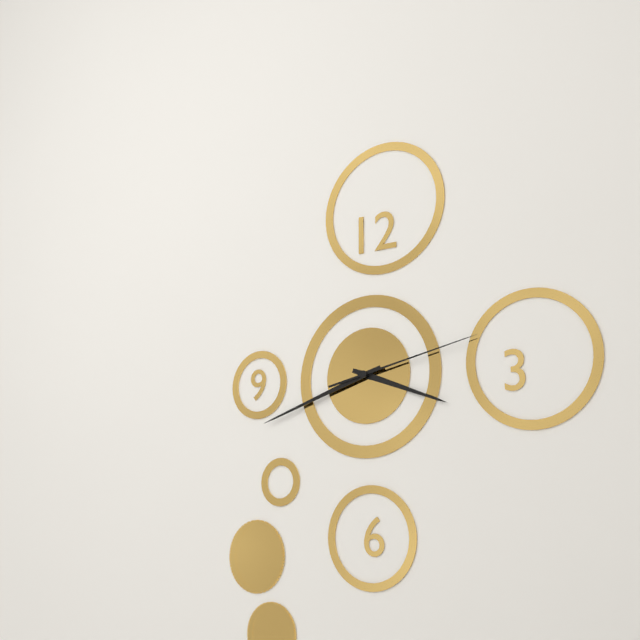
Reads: 3:42:13
